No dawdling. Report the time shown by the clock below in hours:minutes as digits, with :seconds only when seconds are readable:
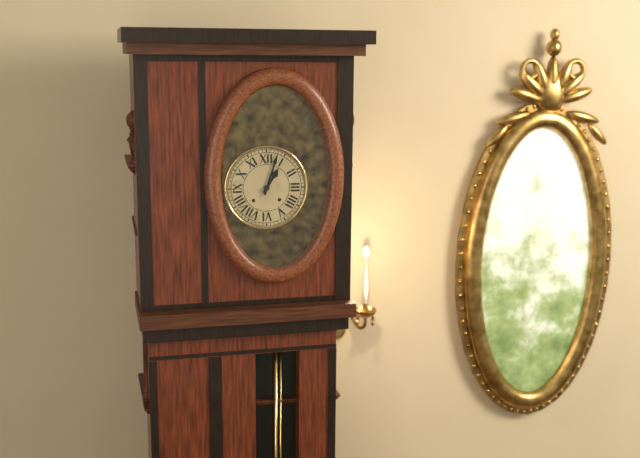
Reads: 1:03
